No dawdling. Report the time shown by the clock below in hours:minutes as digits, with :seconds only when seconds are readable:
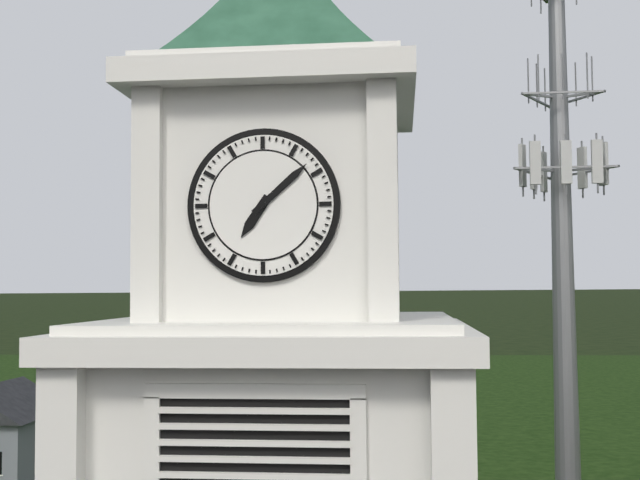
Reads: 7:08
